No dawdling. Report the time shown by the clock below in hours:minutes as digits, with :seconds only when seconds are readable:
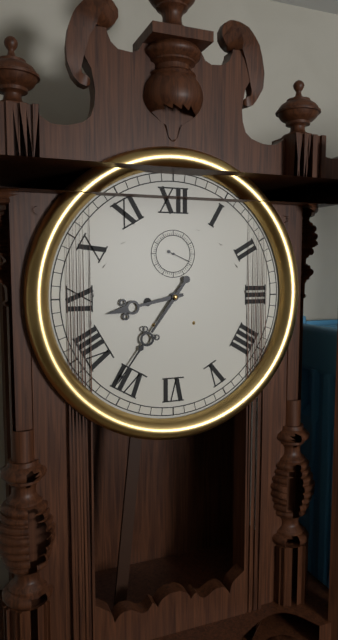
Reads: 8:36
